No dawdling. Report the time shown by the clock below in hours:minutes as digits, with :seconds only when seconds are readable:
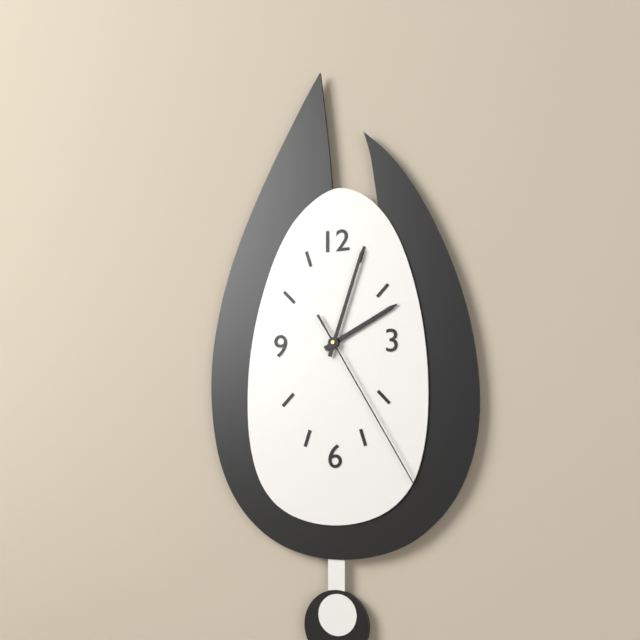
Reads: 2:03:25
